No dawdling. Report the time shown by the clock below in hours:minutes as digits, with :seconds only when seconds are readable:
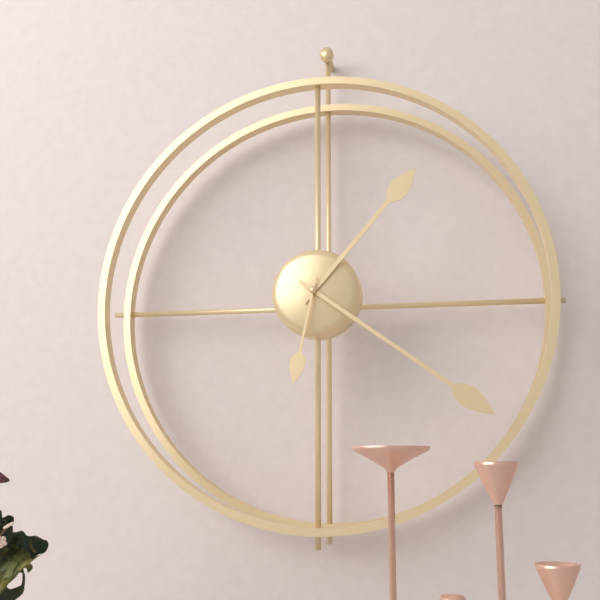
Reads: 1:21:32
